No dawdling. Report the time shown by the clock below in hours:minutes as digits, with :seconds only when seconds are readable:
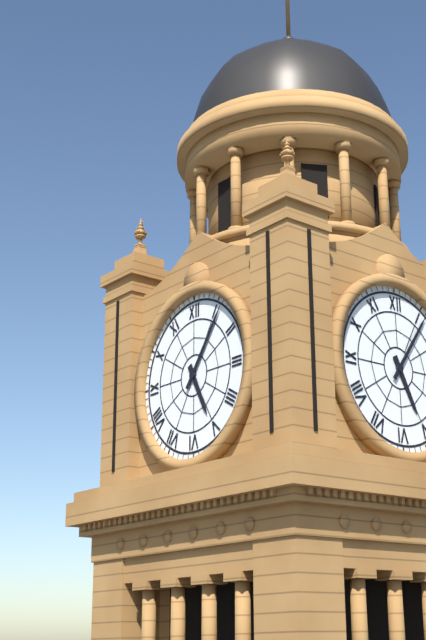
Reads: 5:06
